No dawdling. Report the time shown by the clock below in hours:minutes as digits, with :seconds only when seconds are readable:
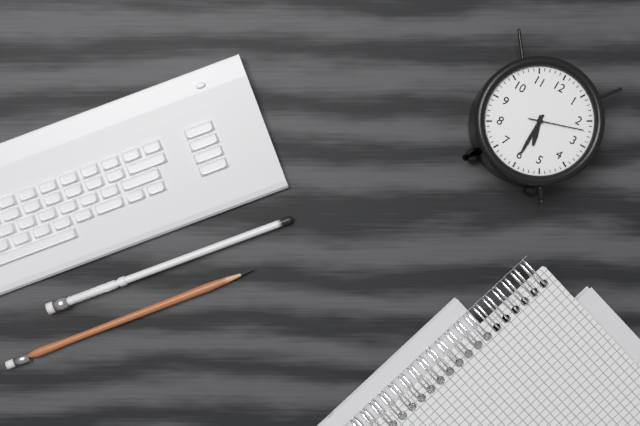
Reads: 5:30:12
